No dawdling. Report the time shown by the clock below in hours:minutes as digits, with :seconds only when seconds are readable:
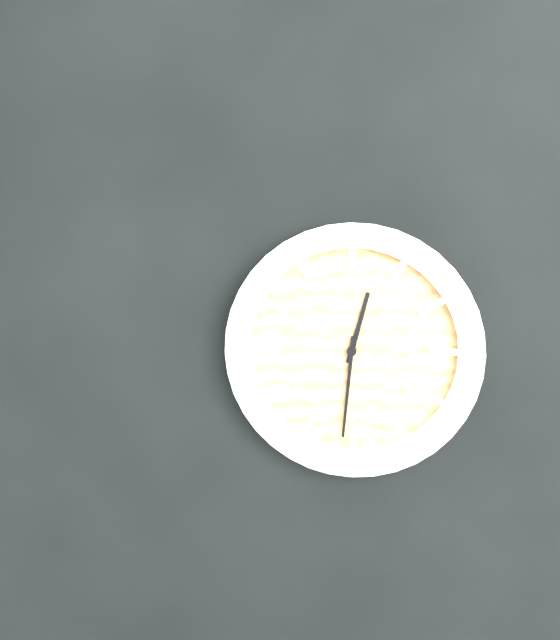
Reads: 12:31
